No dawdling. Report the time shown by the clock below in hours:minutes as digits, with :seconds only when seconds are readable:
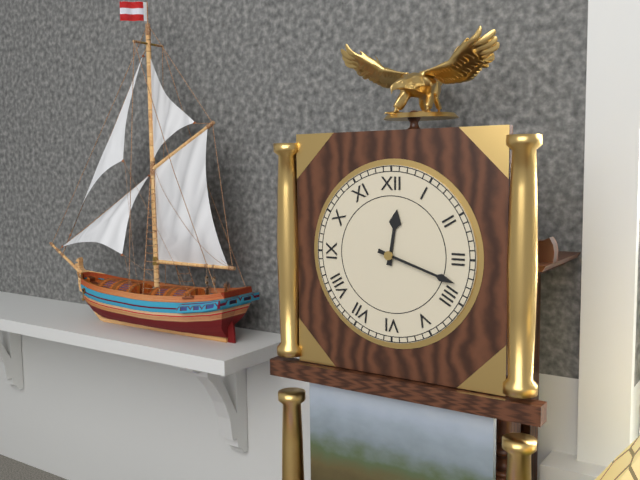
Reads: 12:18
